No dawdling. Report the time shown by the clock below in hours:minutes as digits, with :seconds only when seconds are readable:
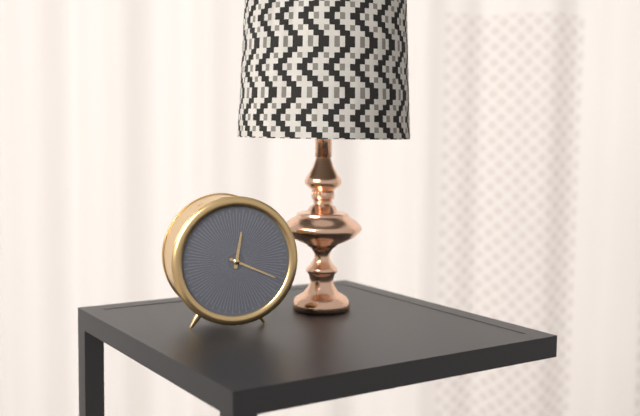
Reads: 12:19
